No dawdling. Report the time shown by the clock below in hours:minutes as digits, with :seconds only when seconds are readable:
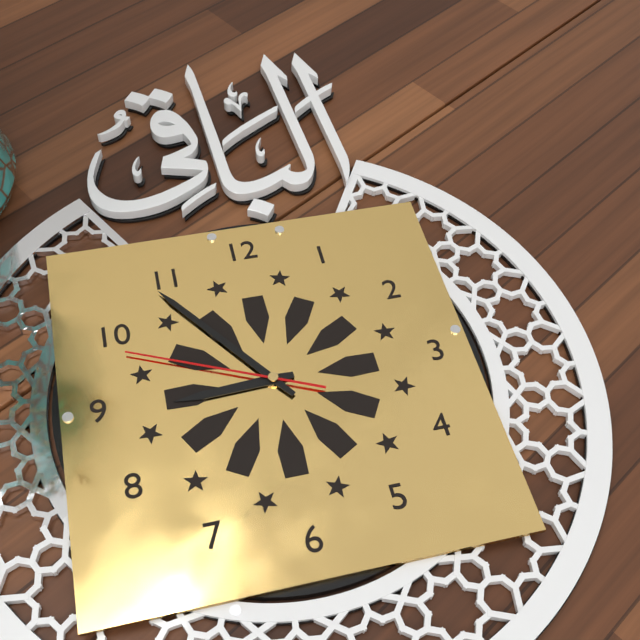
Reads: 8:54:49
